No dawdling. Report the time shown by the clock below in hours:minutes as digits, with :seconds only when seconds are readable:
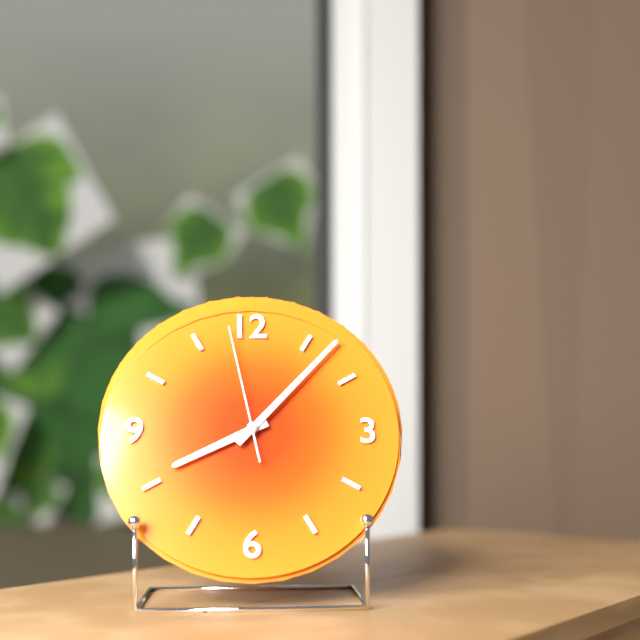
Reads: 8:07:58
